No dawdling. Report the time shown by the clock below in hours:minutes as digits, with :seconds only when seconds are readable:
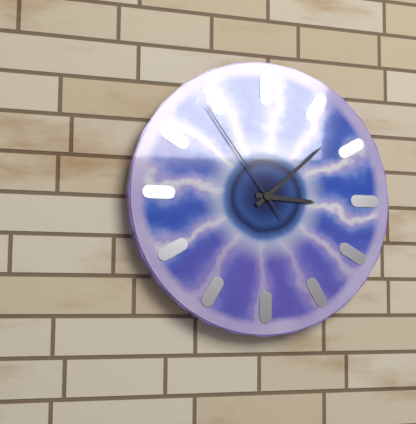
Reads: 3:08:54
